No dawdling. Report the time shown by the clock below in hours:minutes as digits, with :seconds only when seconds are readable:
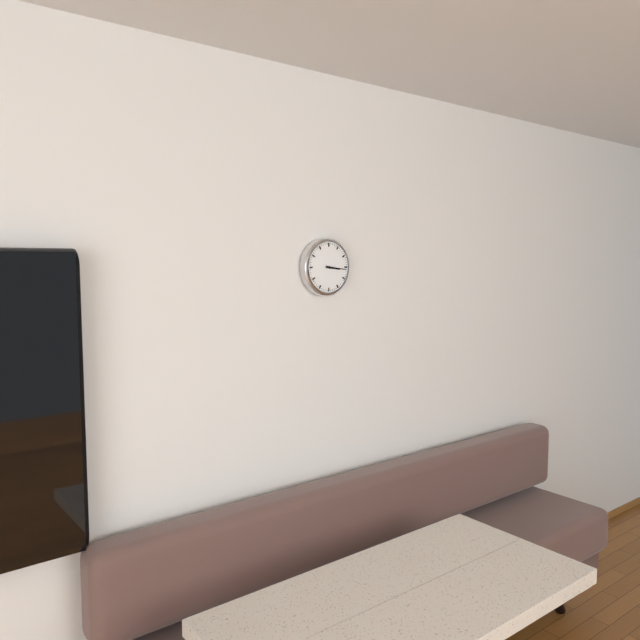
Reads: 3:16
